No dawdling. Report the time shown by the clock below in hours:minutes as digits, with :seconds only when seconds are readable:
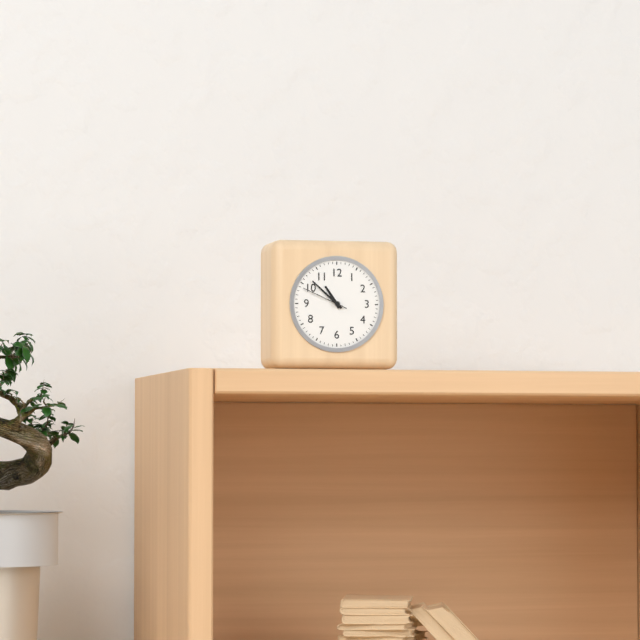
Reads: 10:52
